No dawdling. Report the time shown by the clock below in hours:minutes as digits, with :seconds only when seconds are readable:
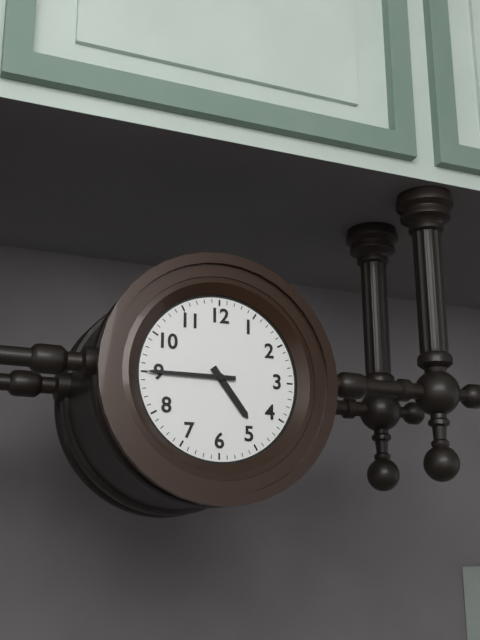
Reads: 4:45
